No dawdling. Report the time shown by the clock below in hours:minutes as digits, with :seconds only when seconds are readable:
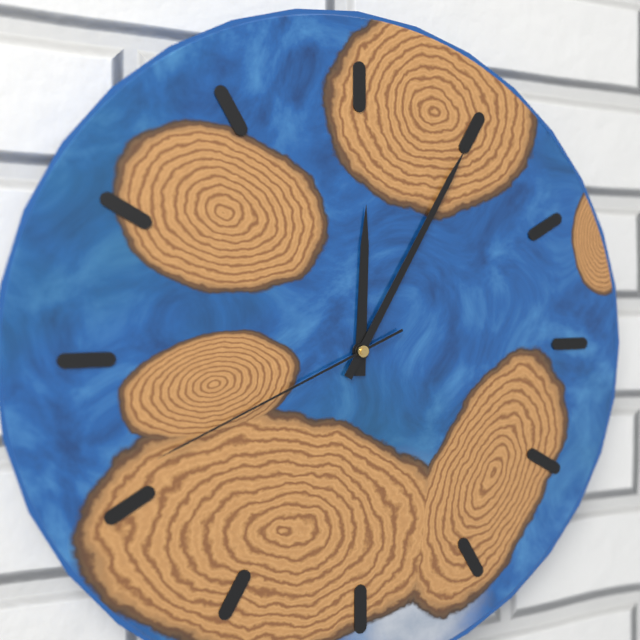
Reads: 12:05:41
